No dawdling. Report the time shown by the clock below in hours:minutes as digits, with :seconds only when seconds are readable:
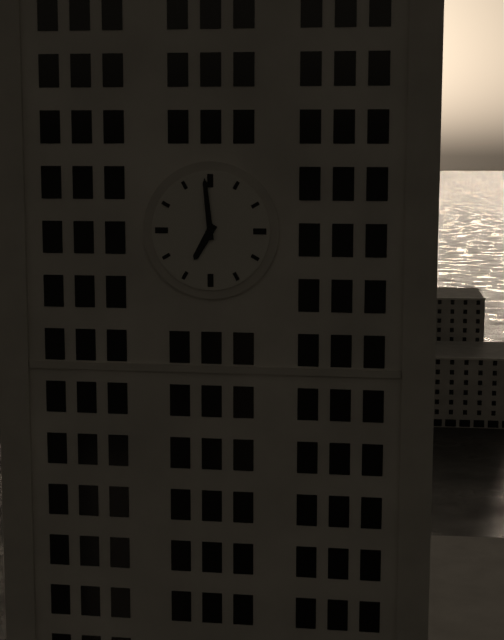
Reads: 6:59
